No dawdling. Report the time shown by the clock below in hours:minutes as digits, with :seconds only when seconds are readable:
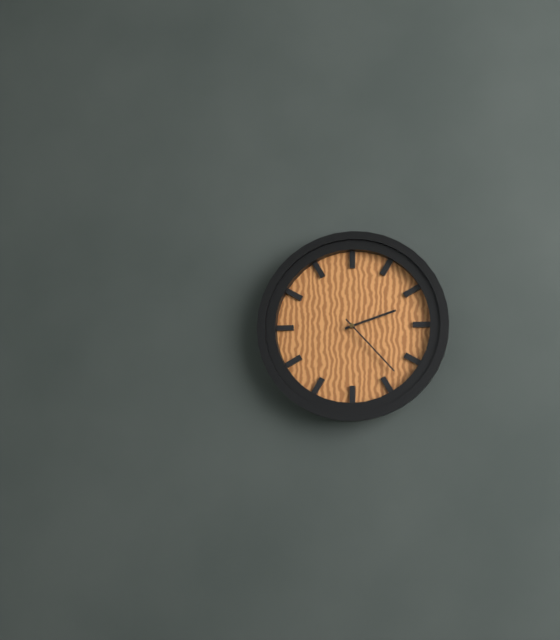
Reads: 2:23
